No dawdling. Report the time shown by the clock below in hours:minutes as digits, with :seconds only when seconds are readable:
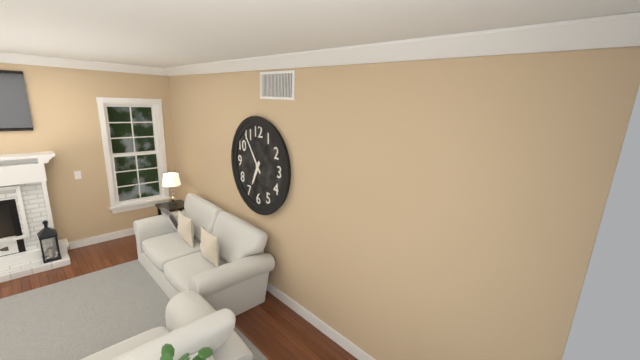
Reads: 6:54
